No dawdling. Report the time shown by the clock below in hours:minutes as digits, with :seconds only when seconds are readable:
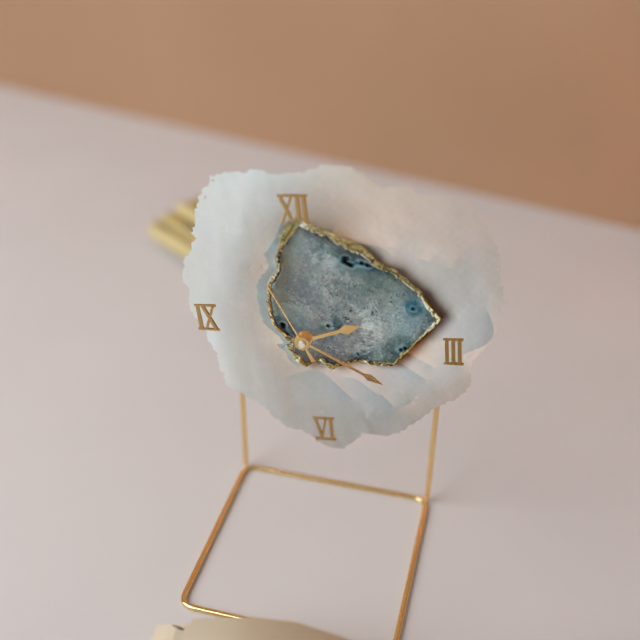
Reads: 2:20:56
